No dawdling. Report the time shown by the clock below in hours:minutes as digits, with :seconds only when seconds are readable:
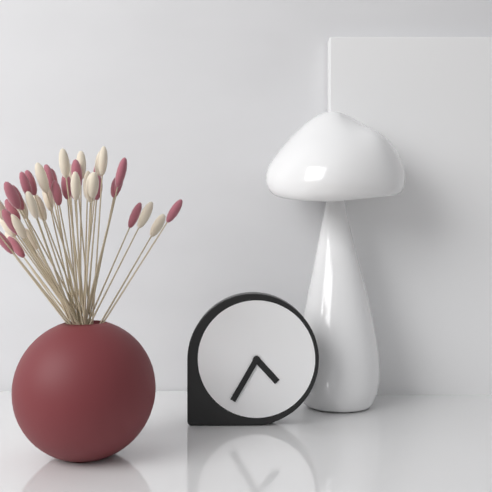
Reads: 4:35
